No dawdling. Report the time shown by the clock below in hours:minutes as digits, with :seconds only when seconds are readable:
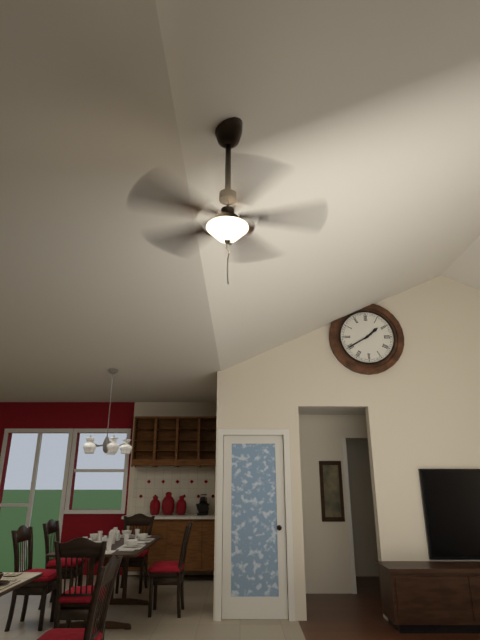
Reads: 1:40
